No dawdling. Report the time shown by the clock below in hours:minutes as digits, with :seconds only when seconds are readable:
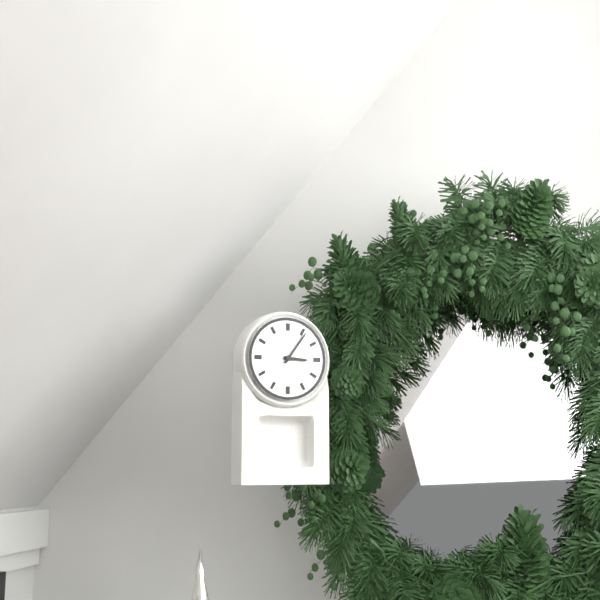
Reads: 3:06
